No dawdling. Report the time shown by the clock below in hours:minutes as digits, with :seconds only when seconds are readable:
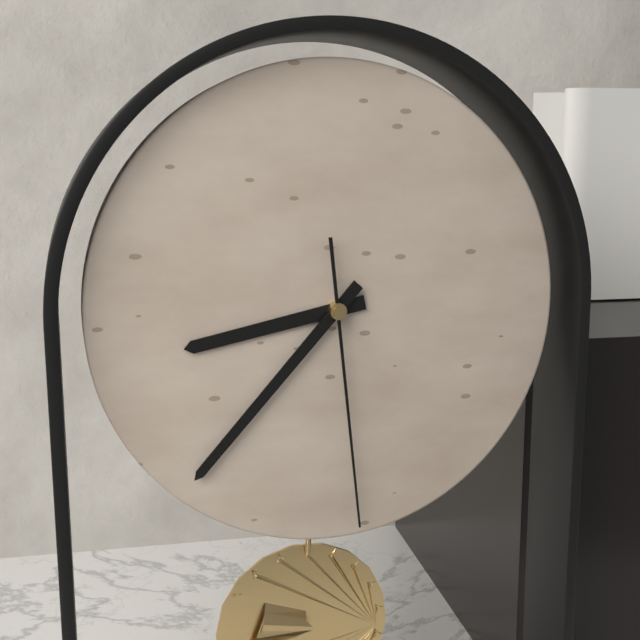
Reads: 8:37:29
